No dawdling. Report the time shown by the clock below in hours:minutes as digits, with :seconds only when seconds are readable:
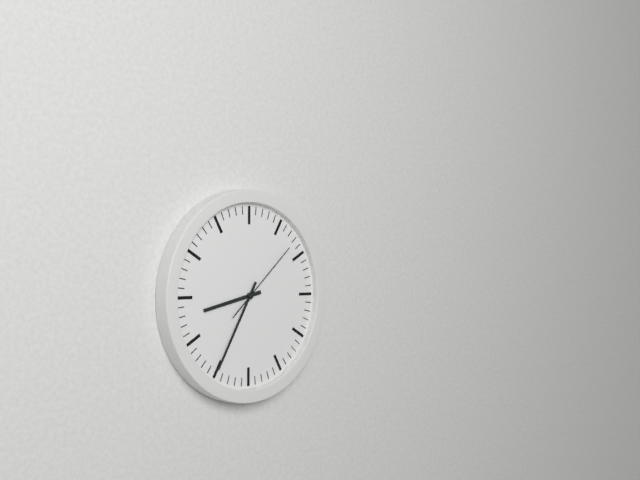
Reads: 8:35:08
